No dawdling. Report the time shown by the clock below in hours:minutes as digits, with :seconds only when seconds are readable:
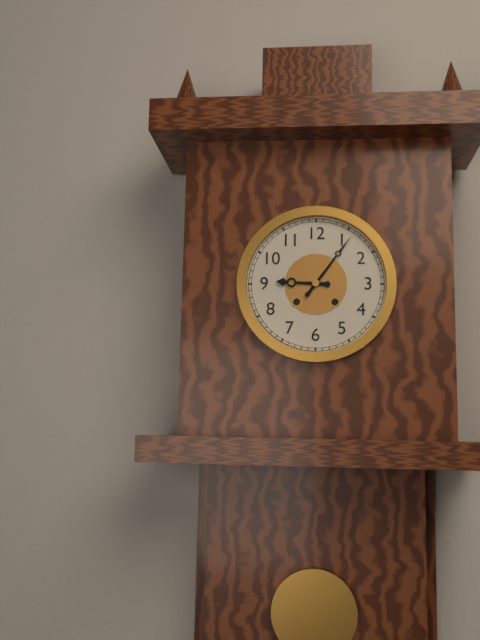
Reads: 9:06
